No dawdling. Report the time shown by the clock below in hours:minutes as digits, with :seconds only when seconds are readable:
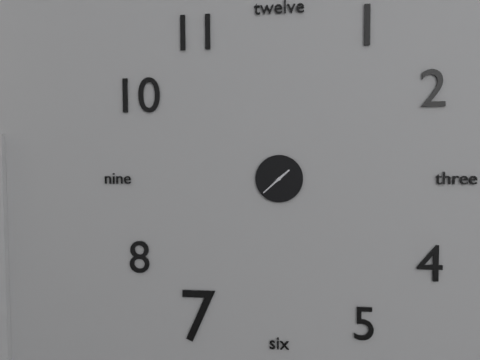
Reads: 1:38
